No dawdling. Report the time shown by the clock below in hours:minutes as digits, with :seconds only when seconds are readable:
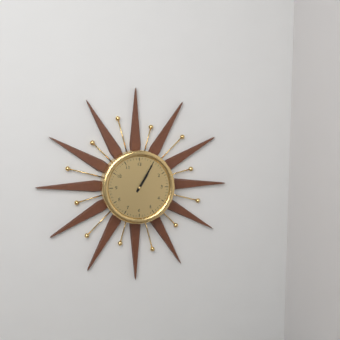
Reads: 1:05
